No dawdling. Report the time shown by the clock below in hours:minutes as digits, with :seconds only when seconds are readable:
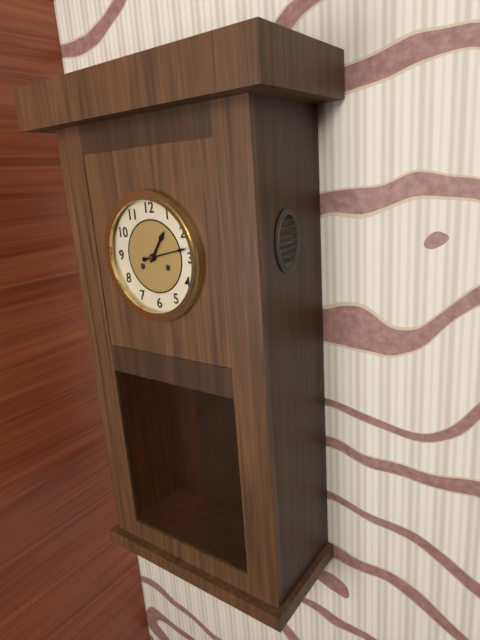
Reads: 1:13
